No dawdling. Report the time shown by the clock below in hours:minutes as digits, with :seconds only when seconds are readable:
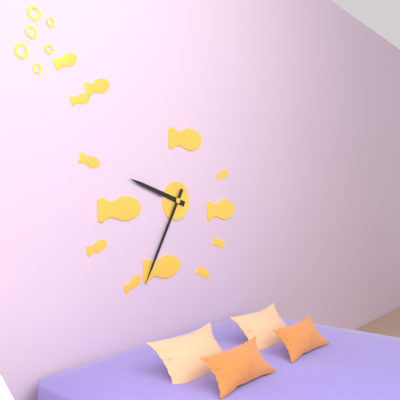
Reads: 9:35
